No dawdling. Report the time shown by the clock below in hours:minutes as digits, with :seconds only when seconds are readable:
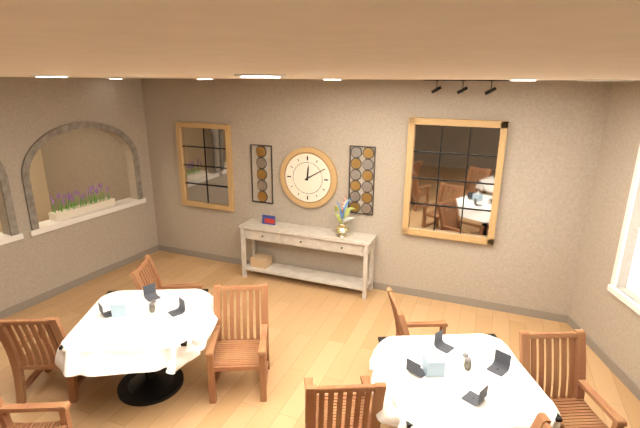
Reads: 12:10
